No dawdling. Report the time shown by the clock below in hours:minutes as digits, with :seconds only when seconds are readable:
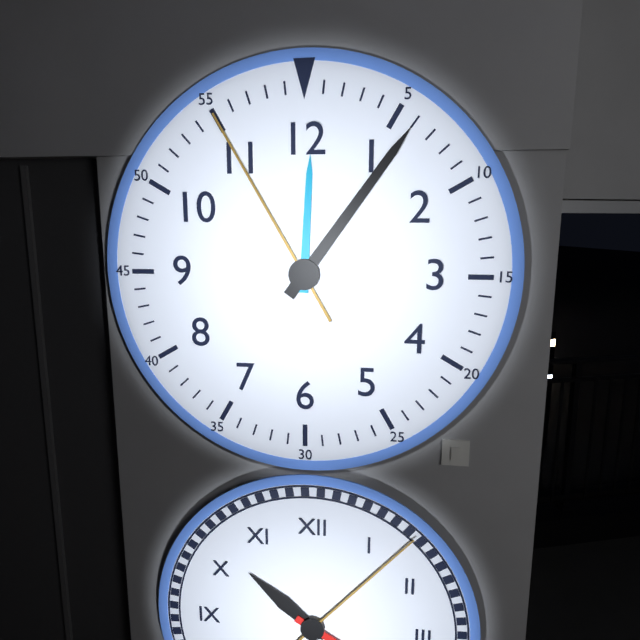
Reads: 12:06:55
